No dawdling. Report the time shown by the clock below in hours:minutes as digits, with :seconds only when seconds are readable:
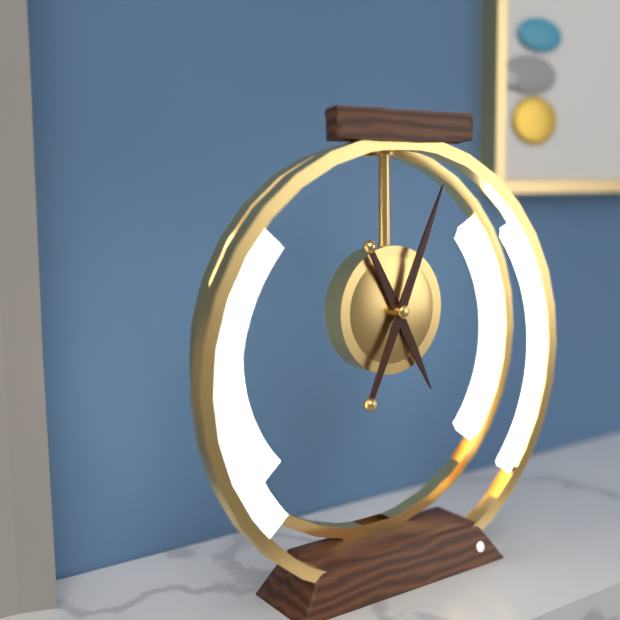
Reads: 5:04
